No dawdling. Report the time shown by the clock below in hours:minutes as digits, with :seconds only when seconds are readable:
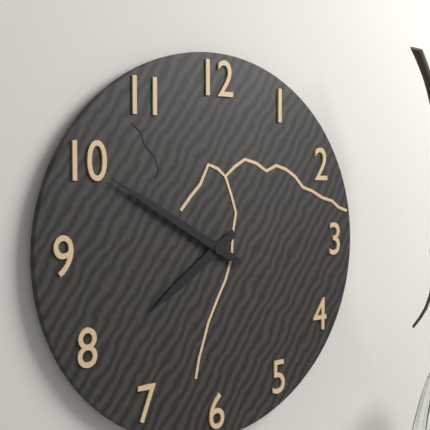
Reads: 7:50
